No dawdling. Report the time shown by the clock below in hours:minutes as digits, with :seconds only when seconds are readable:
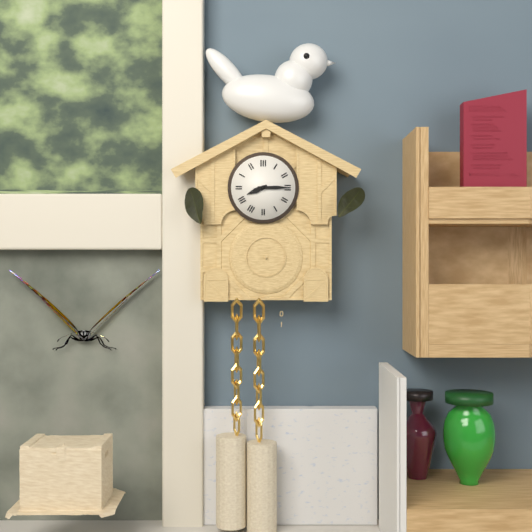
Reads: 8:15
